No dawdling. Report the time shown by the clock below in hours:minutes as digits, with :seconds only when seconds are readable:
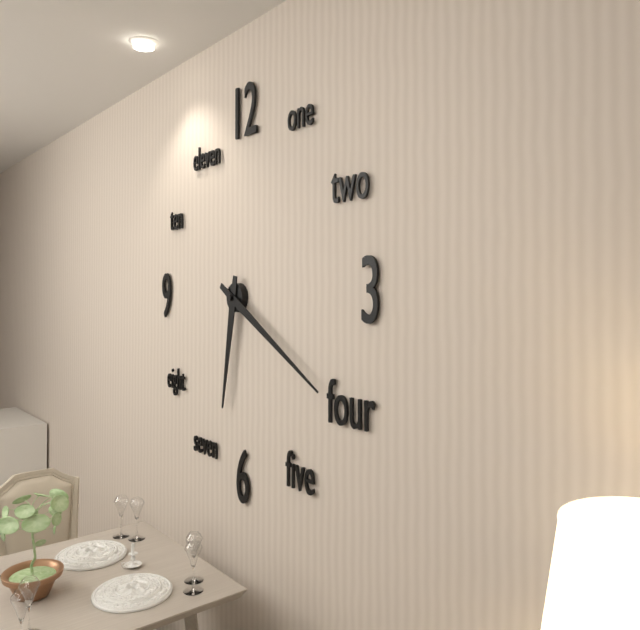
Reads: 6:20
